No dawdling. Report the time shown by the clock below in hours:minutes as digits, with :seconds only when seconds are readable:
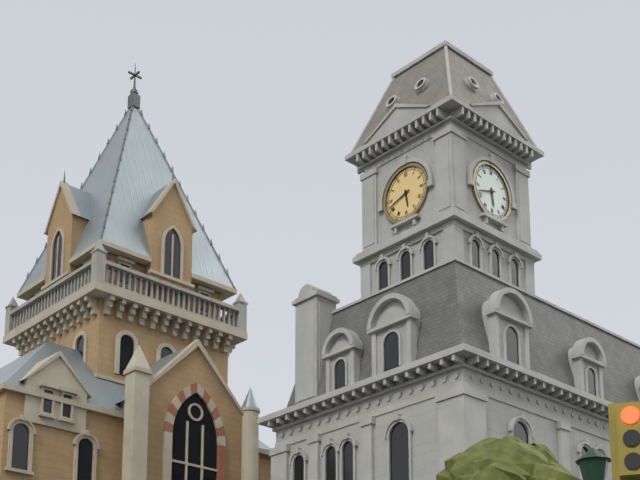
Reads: 5:42
